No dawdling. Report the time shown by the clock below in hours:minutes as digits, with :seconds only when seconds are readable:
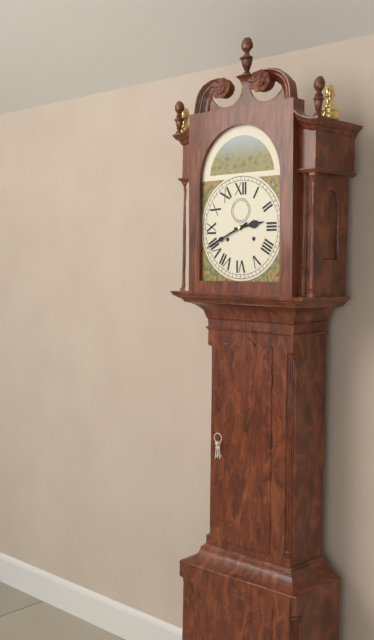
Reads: 2:41
